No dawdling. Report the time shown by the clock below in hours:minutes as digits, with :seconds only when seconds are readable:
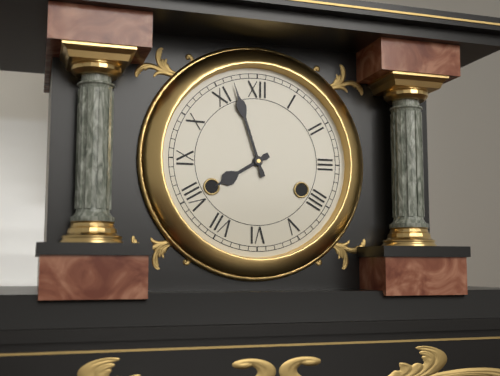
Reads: 7:57
